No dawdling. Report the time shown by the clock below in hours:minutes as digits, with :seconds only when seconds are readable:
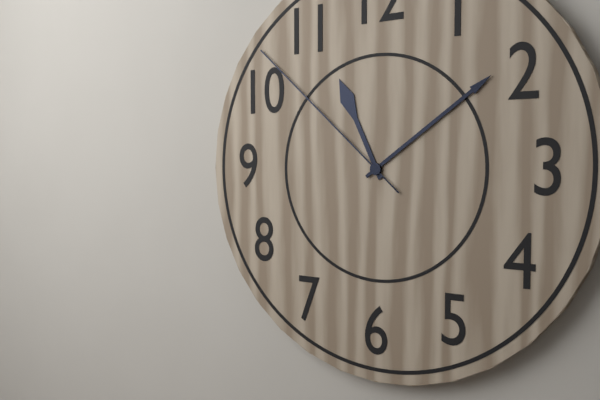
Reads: 11:09:52
